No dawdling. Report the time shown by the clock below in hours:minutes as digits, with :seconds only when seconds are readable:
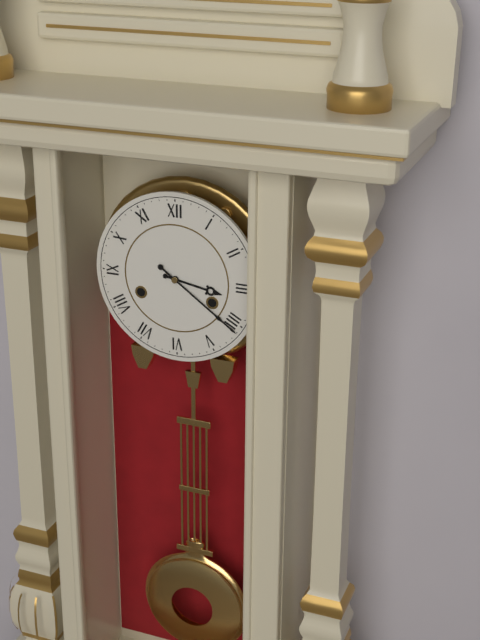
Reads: 3:21
